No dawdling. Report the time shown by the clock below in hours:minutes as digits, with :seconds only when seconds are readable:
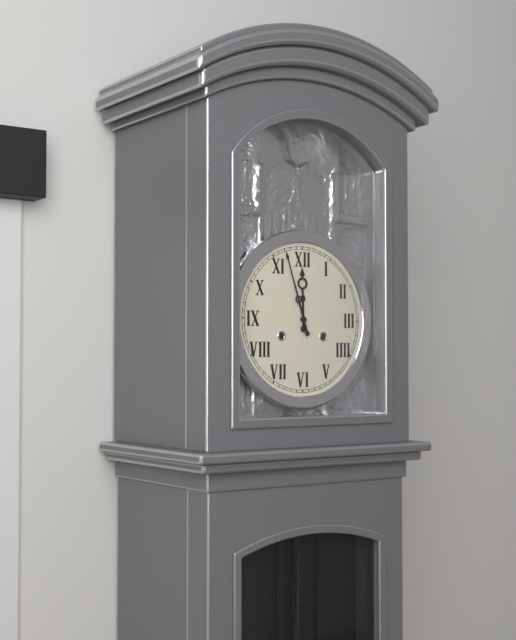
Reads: 11:57
